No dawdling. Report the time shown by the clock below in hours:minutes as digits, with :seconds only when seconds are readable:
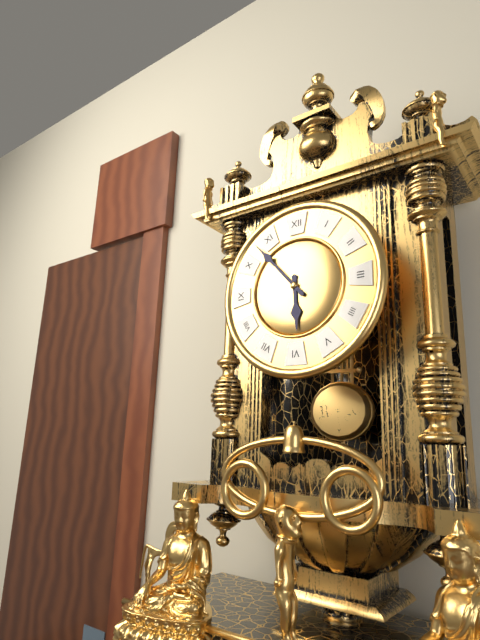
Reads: 5:53
